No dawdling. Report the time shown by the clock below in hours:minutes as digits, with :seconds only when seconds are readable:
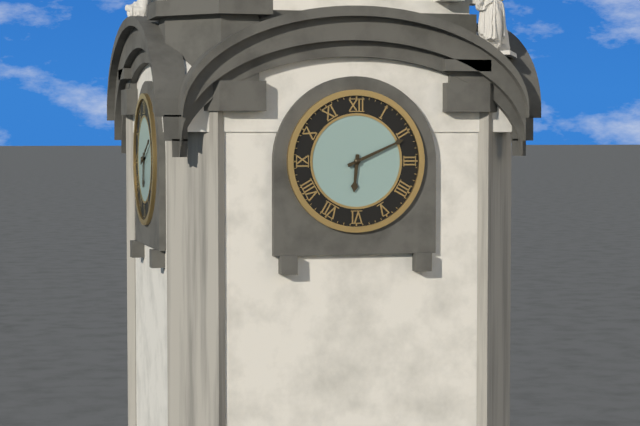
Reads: 6:11
